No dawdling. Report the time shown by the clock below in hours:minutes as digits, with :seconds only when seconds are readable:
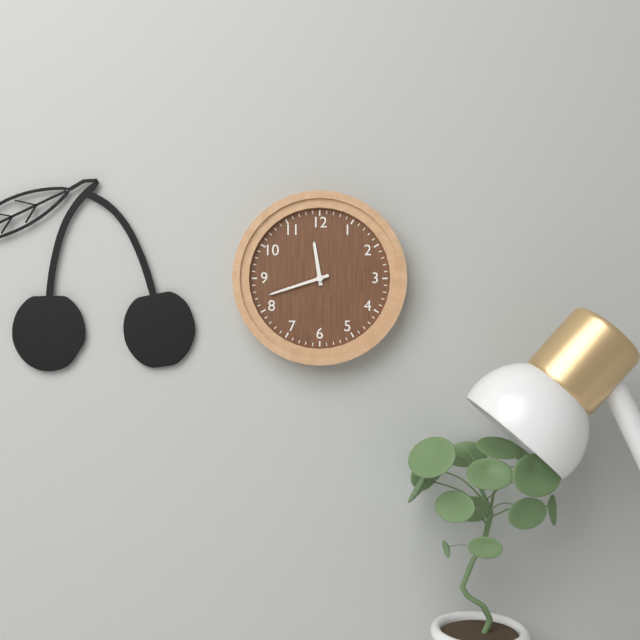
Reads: 11:42
